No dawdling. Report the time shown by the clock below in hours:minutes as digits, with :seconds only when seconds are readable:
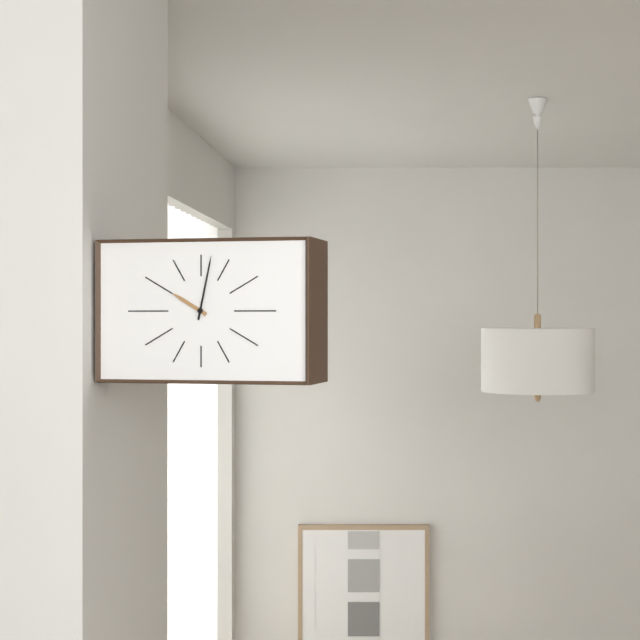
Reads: 10:02
